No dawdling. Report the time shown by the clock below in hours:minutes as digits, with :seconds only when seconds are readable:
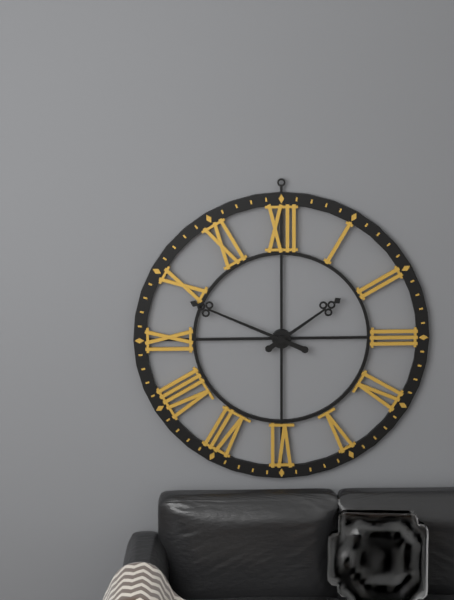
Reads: 1:49
